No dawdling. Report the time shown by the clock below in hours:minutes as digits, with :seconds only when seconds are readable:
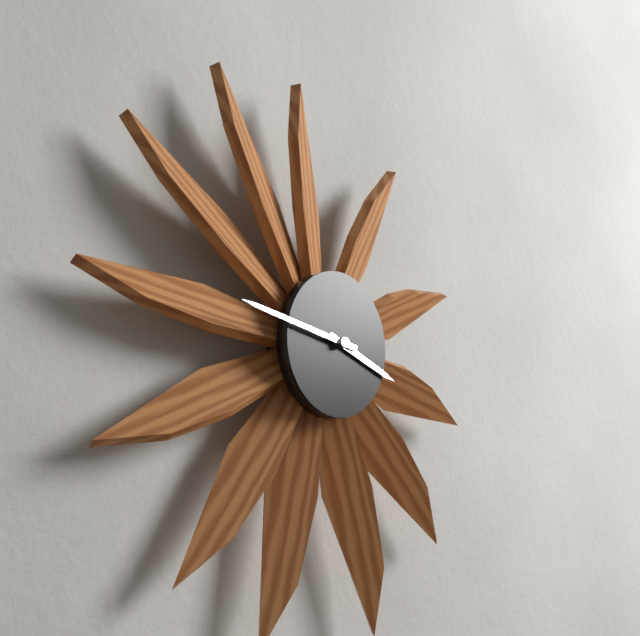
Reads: 3:47
